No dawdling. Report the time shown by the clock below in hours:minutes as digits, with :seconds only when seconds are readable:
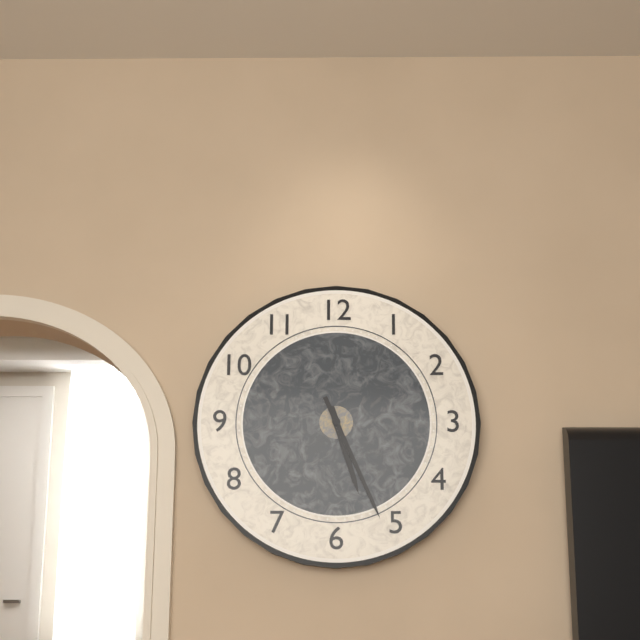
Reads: 5:26
